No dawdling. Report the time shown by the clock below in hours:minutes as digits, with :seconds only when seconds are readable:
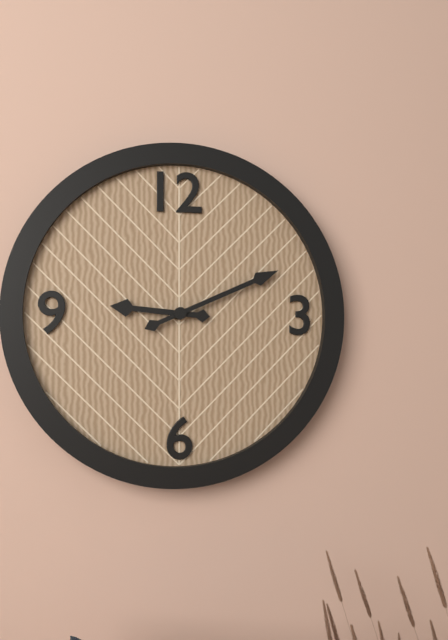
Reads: 9:11
